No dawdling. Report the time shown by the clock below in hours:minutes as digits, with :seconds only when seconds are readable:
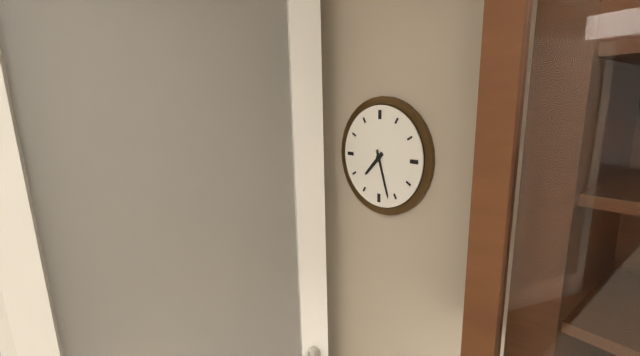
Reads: 7:27
